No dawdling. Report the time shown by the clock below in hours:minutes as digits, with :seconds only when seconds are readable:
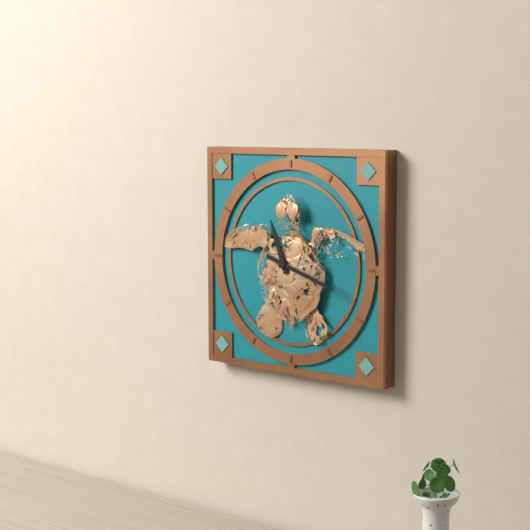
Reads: 11:18
